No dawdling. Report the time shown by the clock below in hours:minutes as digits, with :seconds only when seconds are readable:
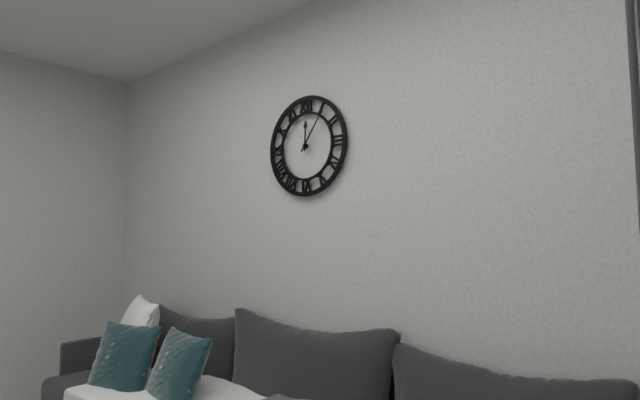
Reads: 12:06
